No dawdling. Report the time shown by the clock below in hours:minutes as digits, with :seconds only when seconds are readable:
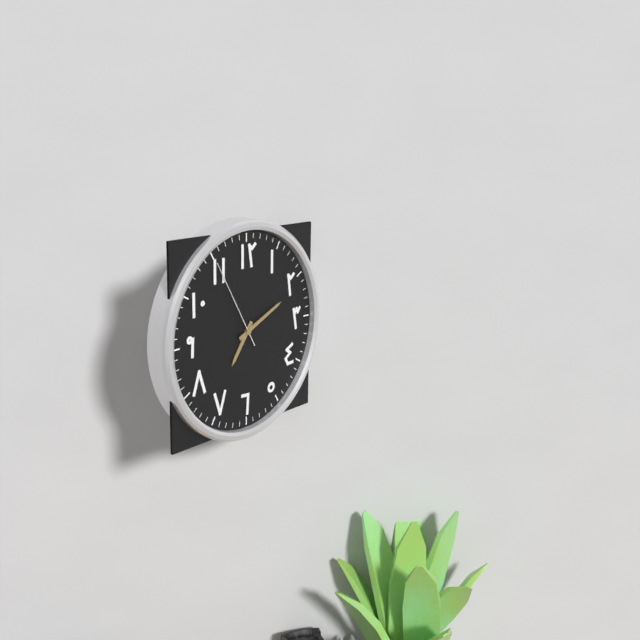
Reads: 7:11:55
